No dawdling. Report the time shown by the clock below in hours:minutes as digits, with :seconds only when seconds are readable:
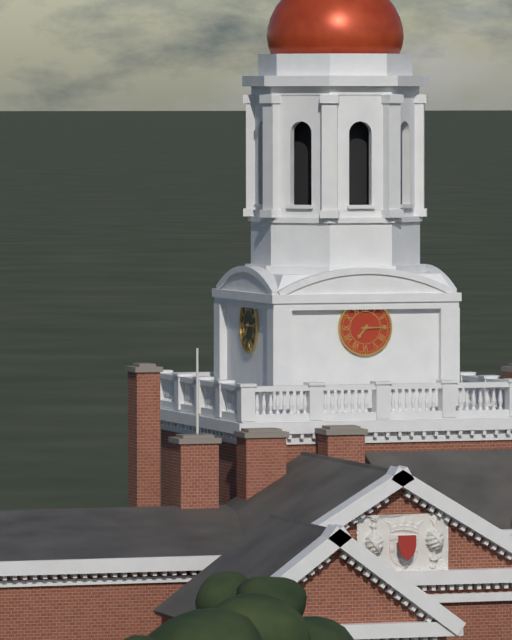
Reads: 7:15
